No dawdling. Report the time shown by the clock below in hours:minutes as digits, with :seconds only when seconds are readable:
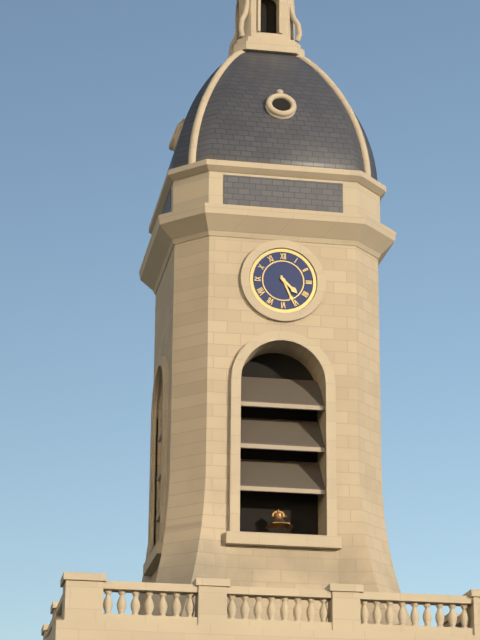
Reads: 4:26
